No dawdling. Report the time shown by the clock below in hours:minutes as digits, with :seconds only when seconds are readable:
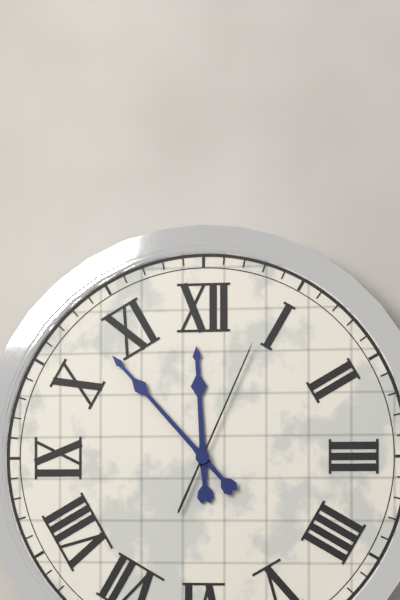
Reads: 11:53:04
